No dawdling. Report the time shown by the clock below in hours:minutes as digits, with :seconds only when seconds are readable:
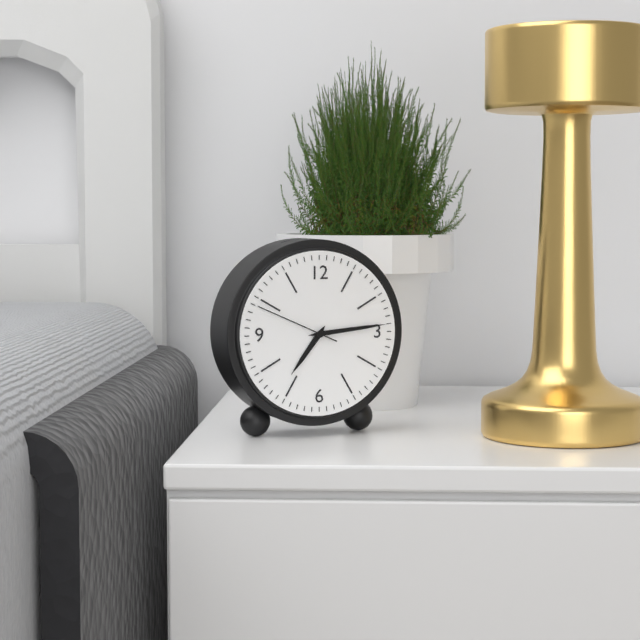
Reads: 7:14:49
